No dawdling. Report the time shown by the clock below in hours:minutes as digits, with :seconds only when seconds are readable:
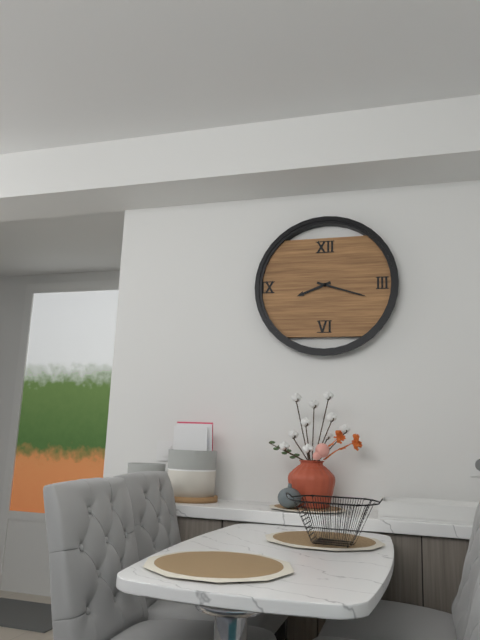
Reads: 8:18
